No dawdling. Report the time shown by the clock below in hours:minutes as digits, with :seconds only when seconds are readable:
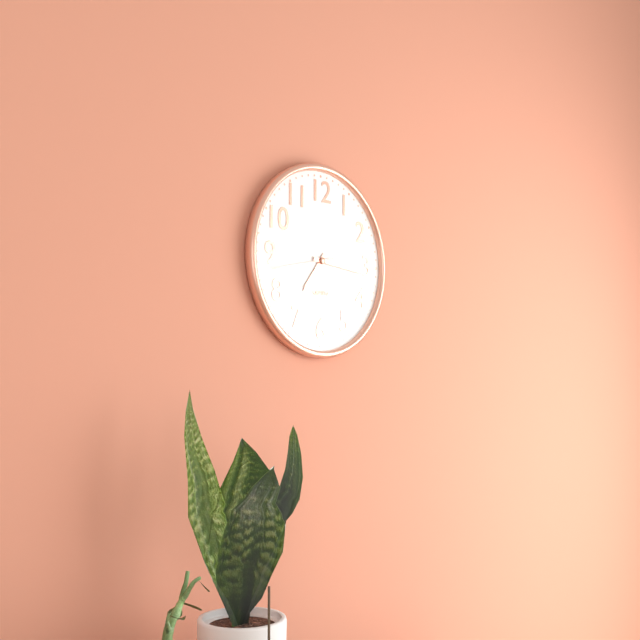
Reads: 7:16:43
